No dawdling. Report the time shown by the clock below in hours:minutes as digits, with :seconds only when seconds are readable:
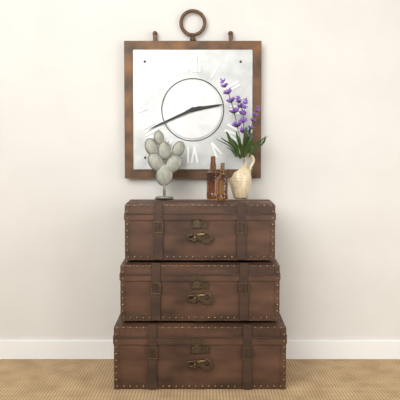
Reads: 2:41
